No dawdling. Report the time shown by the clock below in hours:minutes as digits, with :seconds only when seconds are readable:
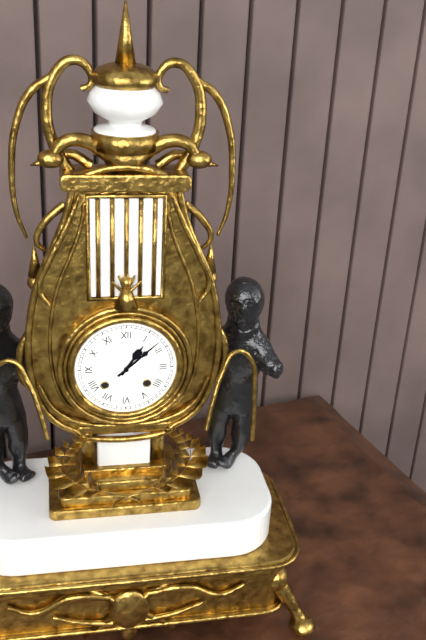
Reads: 1:08
